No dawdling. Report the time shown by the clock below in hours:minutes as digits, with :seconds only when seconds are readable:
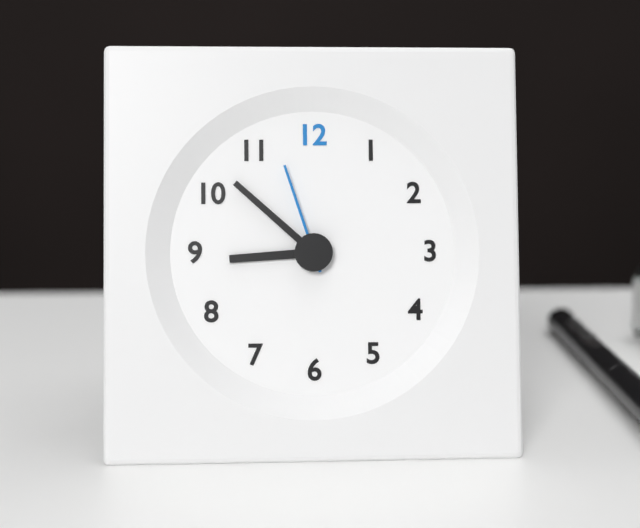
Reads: 8:52:57
